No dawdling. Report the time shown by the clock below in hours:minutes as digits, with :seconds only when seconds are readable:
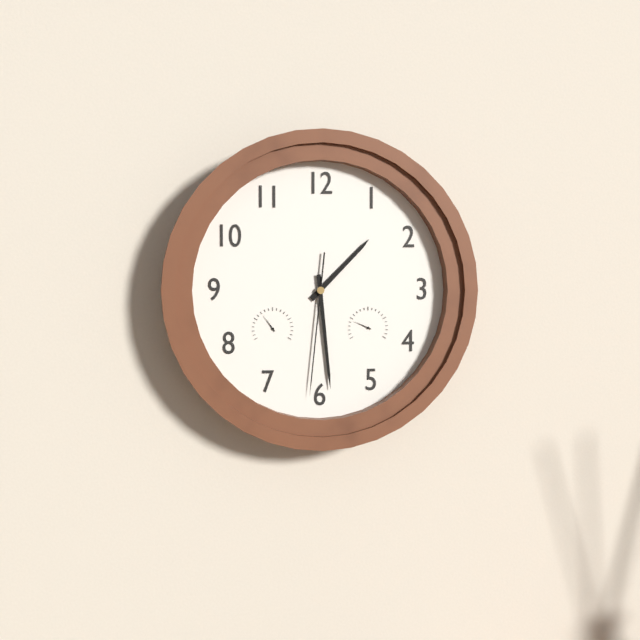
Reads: 1:29:31
